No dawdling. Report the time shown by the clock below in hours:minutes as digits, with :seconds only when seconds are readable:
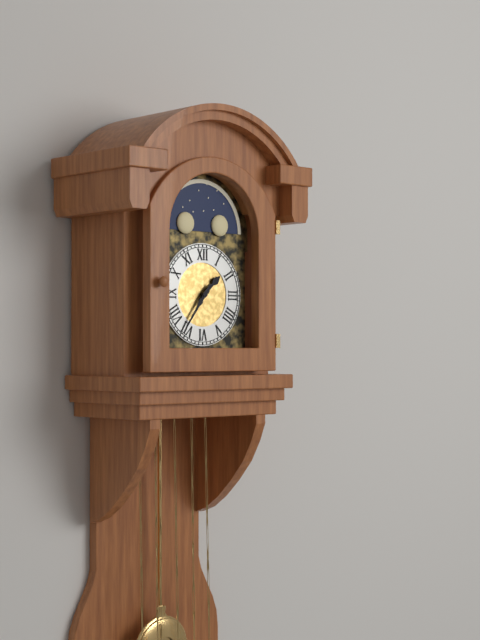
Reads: 1:36
